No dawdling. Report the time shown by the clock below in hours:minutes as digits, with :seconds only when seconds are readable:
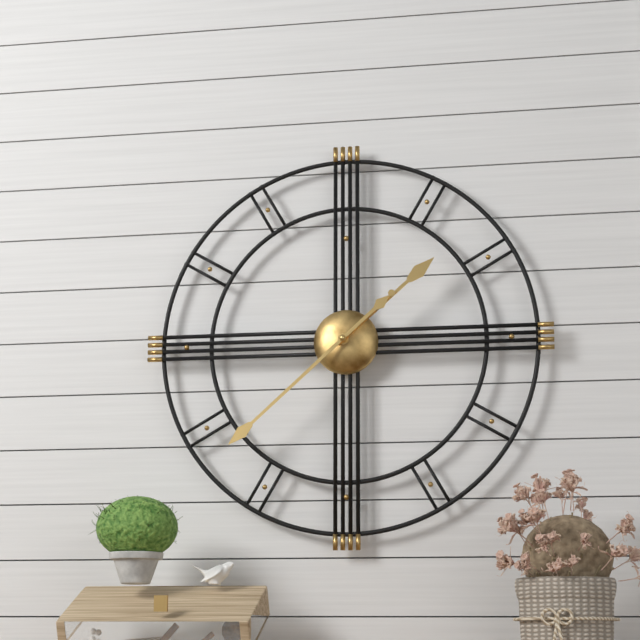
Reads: 1:38
